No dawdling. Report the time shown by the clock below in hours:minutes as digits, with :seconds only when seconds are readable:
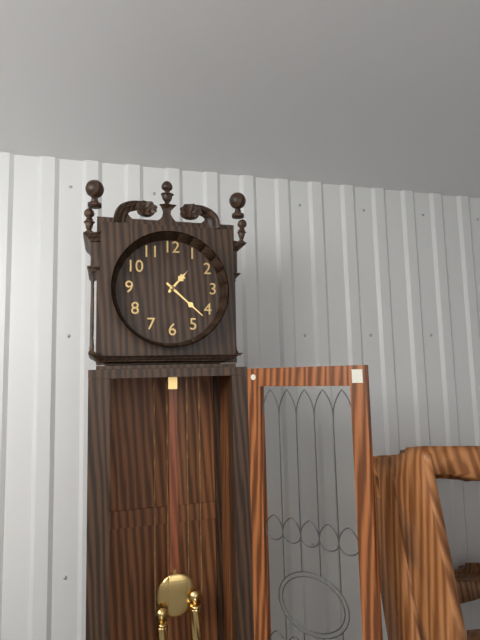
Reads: 1:22
